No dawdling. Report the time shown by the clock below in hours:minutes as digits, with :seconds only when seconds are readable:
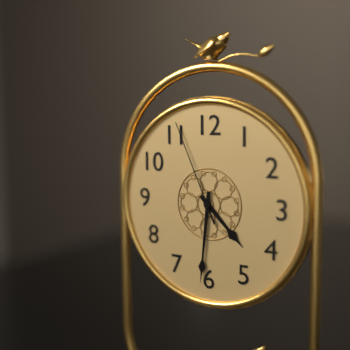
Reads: 4:31:56
